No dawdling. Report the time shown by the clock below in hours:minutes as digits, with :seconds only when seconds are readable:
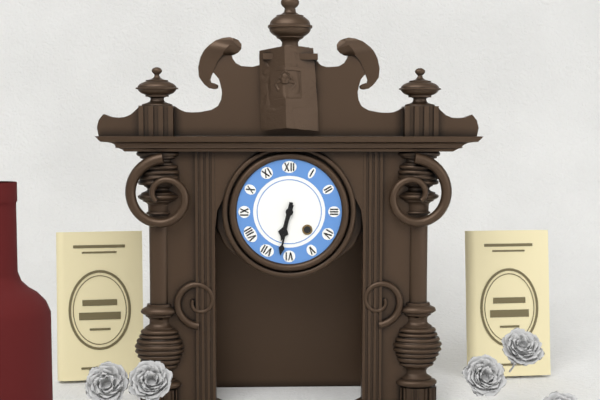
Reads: 6:32
